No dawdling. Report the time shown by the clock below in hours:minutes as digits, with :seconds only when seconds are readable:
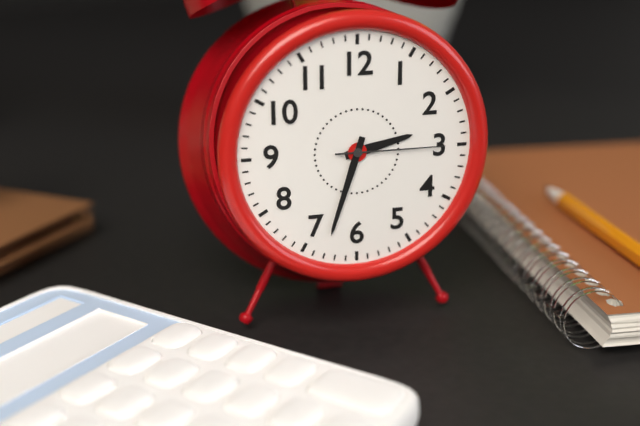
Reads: 2:33:15
